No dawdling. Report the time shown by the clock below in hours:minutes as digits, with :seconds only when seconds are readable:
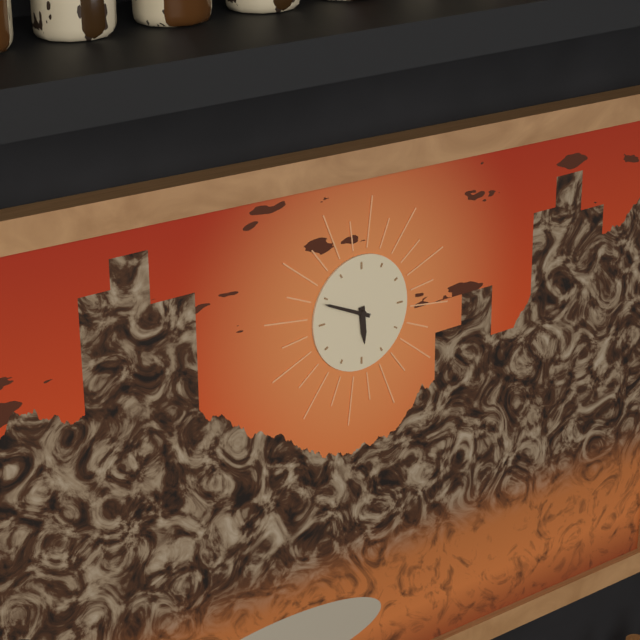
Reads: 5:49
